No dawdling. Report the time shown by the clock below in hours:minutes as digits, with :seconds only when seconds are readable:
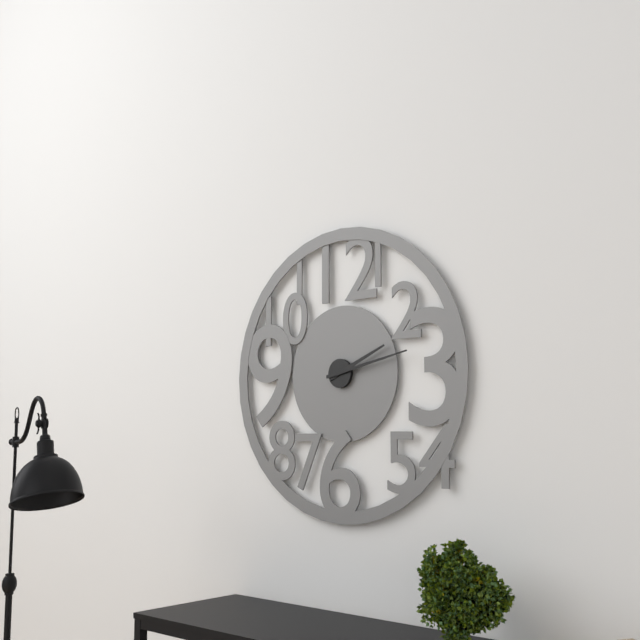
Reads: 2:13
